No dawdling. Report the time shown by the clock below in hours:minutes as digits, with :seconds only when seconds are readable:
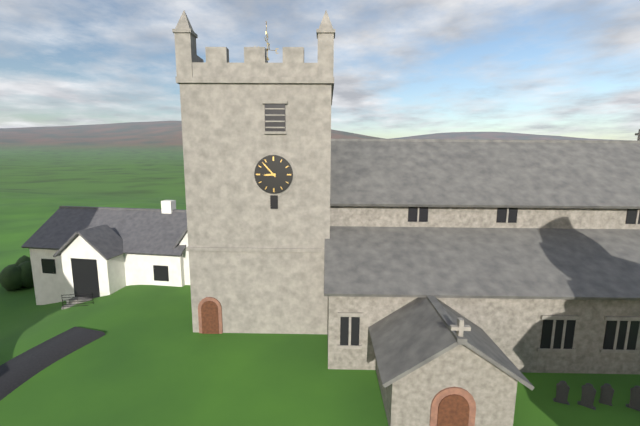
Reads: 8:53
